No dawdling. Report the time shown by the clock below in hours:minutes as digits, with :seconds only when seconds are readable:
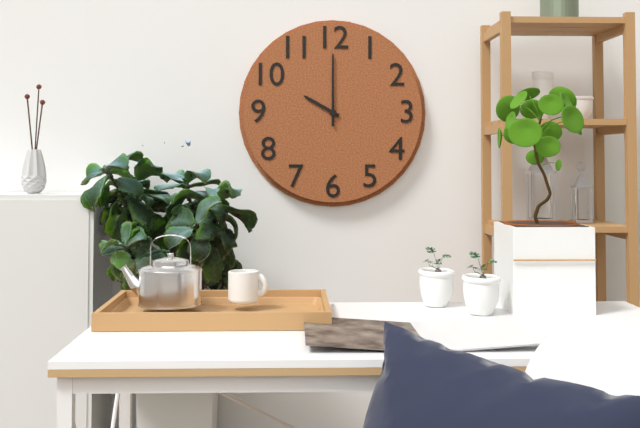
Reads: 10:00
